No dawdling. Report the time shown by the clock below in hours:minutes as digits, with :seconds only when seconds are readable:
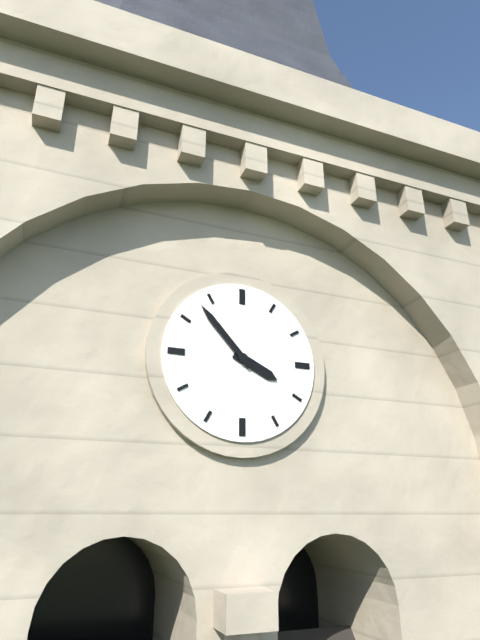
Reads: 3:53
